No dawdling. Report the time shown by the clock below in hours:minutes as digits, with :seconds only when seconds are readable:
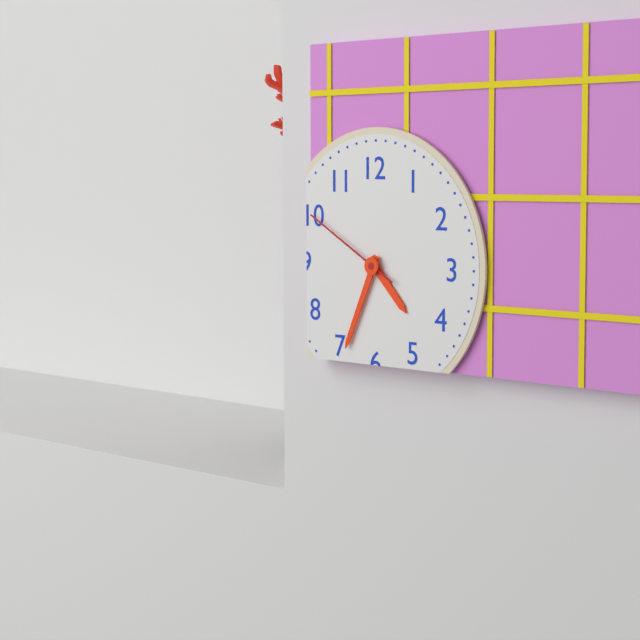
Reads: 4:34:50
